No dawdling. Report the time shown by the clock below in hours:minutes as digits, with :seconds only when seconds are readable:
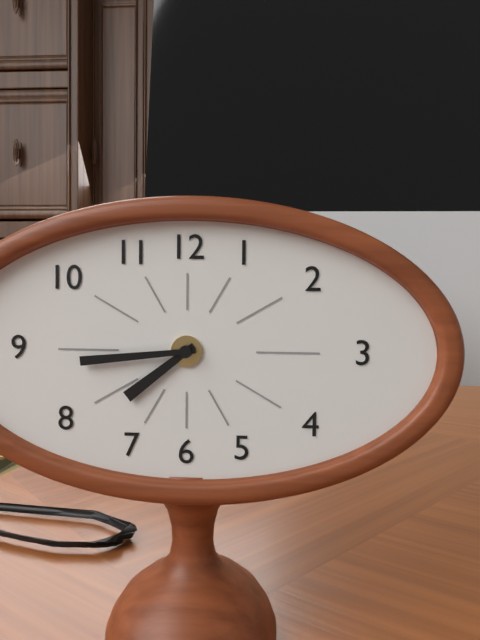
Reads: 7:44
